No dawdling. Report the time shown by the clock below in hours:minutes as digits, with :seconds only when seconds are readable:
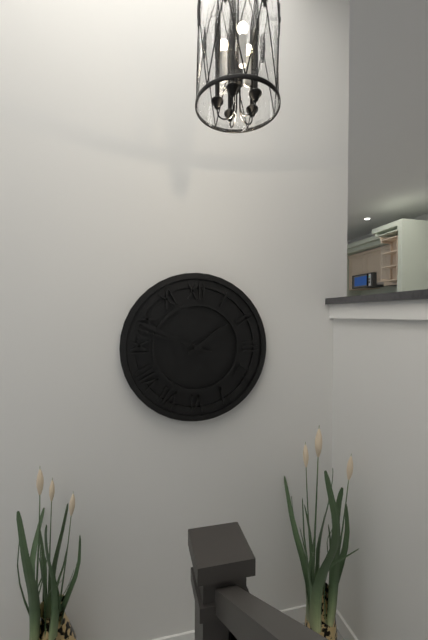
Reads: 1:49:48
